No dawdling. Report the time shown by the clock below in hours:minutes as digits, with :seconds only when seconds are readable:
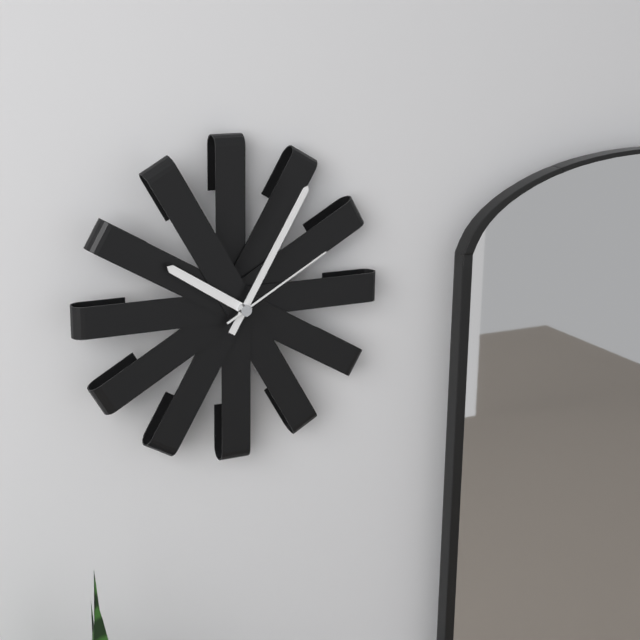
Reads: 10:05:10
